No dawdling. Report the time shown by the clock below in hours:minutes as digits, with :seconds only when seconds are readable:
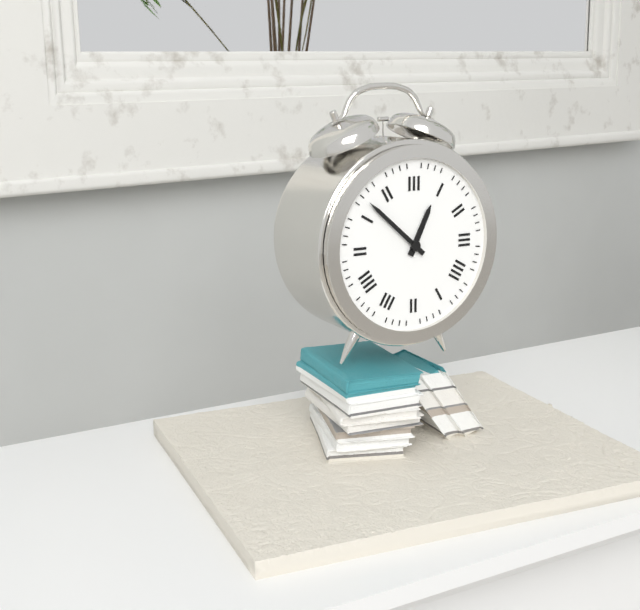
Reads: 12:52
